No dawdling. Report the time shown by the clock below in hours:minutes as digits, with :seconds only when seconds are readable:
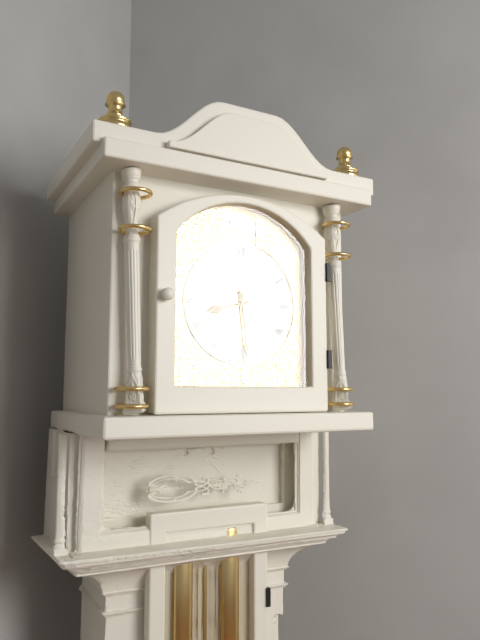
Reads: 8:29
